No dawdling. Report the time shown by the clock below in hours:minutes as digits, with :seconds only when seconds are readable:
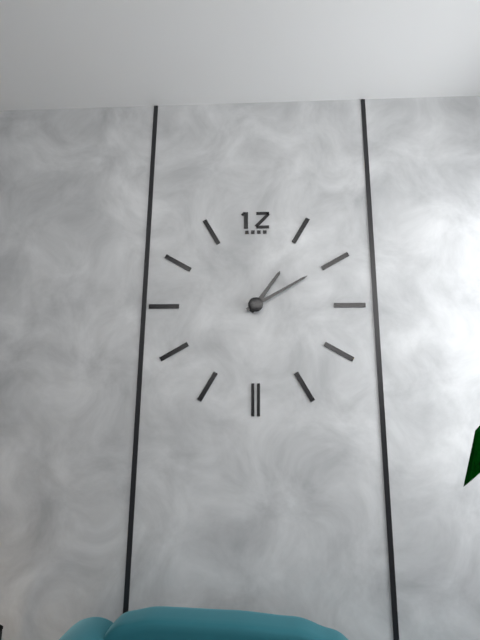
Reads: 1:10
